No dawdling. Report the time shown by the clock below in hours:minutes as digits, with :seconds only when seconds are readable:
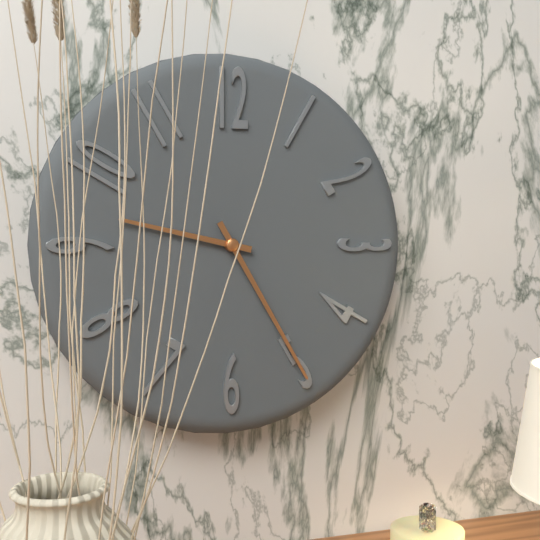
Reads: 9:25
